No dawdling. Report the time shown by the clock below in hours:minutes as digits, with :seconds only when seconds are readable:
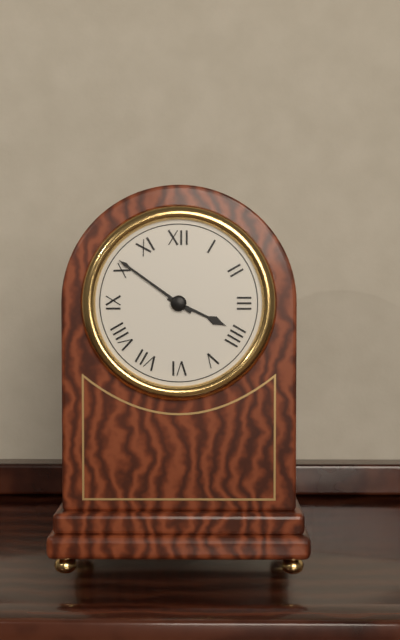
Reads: 3:51
